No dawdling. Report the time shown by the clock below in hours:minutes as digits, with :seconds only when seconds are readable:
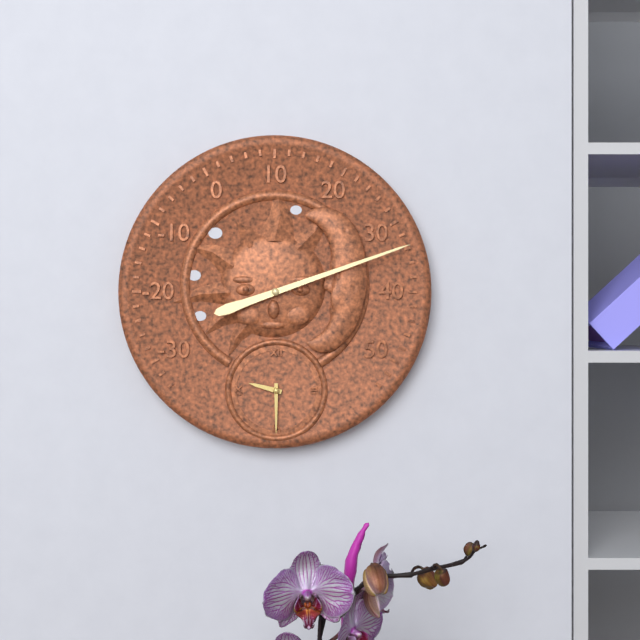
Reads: 9:30
